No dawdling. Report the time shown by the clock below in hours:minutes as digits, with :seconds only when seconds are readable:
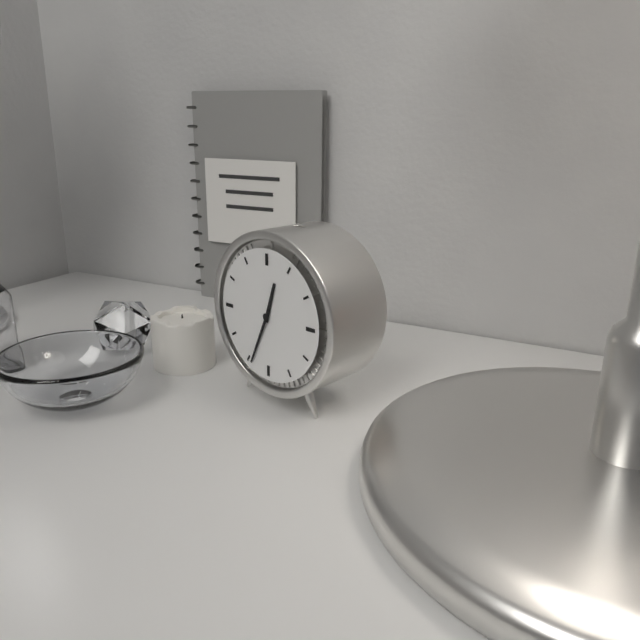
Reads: 12:34
